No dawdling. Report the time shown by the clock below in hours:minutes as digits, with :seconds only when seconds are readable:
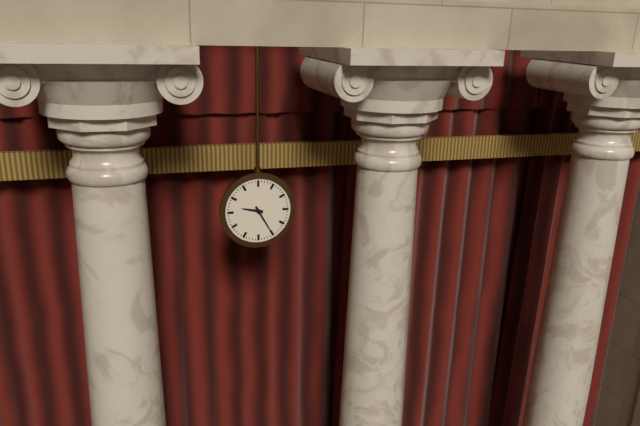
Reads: 9:25
